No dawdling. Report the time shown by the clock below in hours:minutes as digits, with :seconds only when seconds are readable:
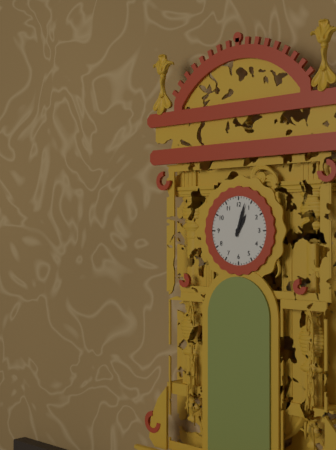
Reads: 1:03
